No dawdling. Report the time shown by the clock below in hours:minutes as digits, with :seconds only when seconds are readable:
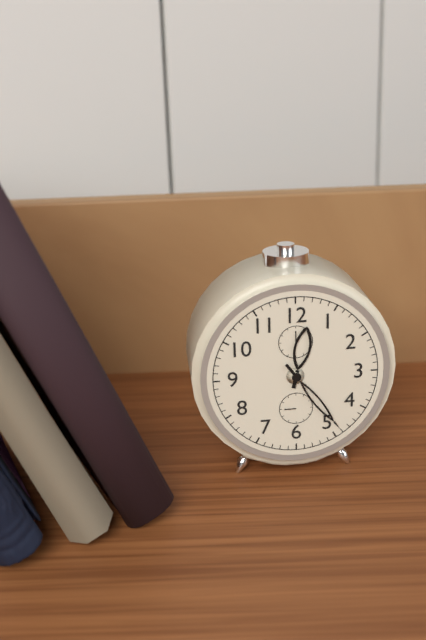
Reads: 12:24
